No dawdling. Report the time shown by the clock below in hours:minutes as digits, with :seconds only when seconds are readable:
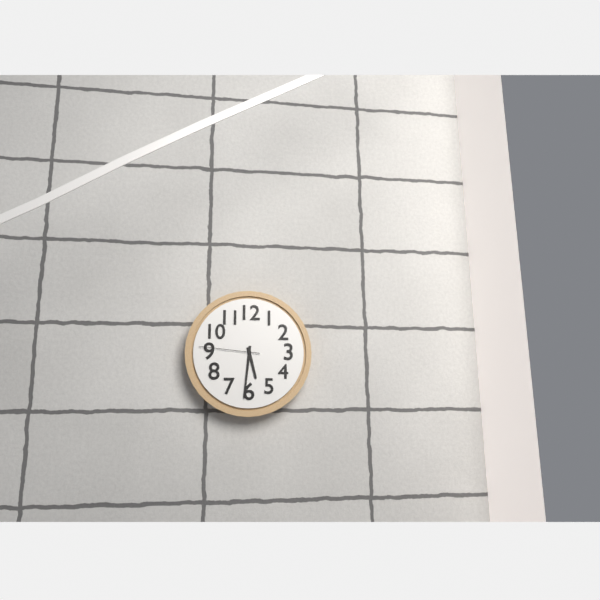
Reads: 5:31:46
